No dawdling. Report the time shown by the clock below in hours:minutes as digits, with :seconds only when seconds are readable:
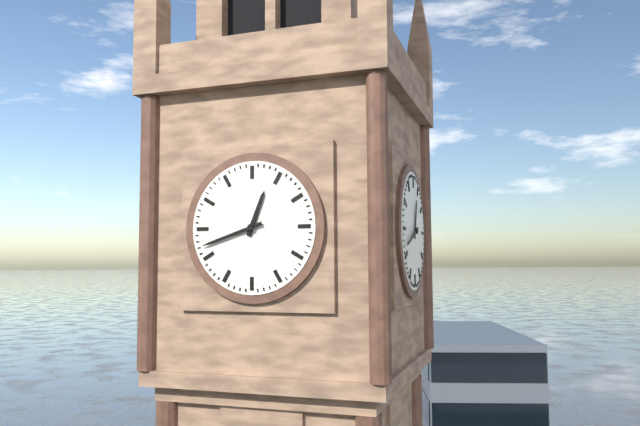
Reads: 12:42
